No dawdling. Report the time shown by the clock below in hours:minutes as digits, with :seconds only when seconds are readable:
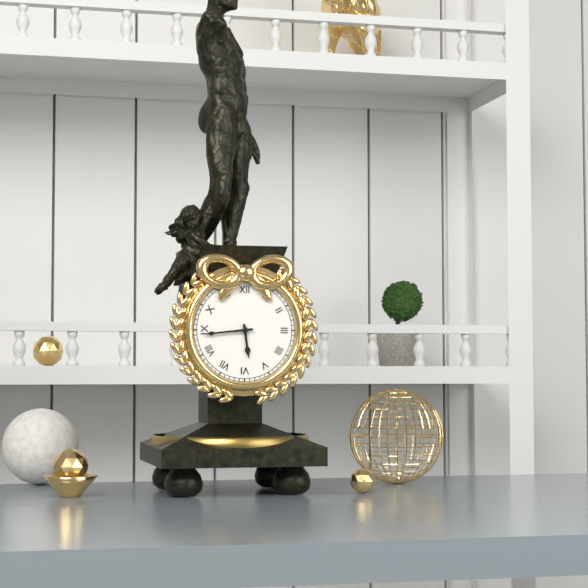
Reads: 5:44
